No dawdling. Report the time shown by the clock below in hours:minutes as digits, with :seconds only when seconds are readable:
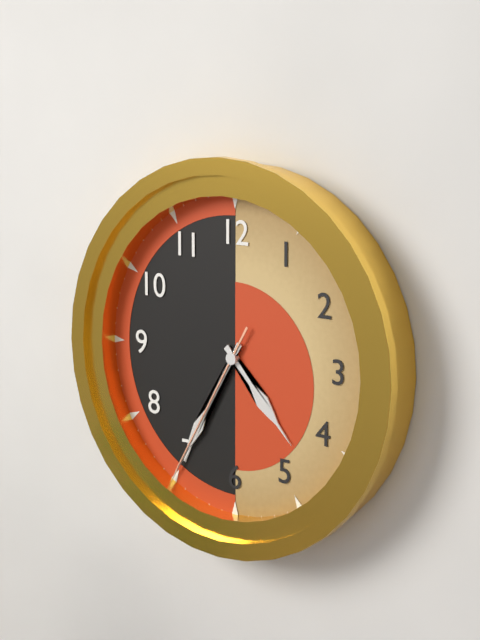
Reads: 4:35:35
